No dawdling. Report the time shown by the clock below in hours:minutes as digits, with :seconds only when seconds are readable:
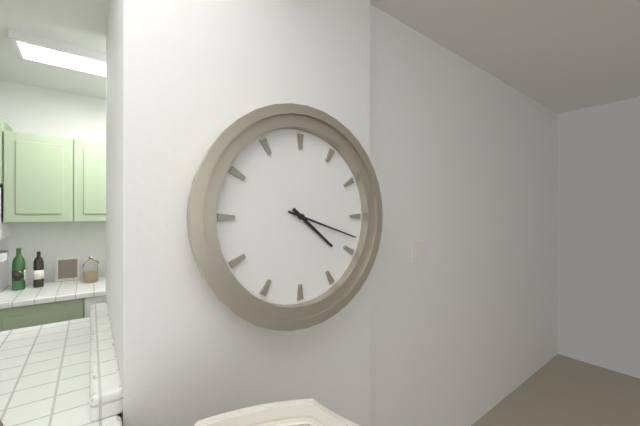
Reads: 4:18
